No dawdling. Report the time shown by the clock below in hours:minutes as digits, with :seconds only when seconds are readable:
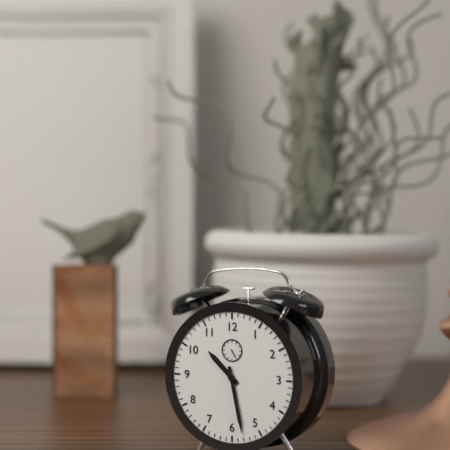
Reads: 10:28
